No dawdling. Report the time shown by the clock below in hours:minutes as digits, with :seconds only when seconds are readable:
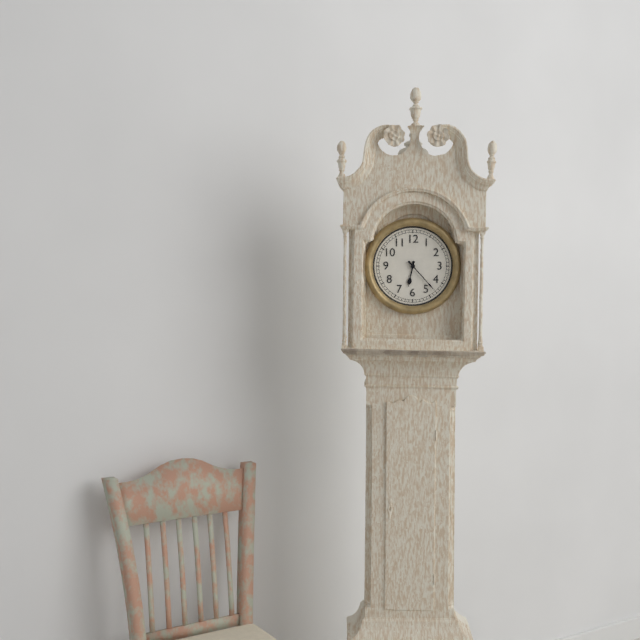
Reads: 6:23
